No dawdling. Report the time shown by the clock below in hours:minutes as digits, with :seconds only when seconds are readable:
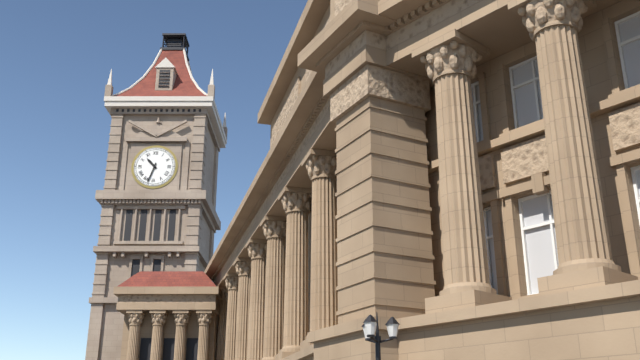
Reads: 10:33
